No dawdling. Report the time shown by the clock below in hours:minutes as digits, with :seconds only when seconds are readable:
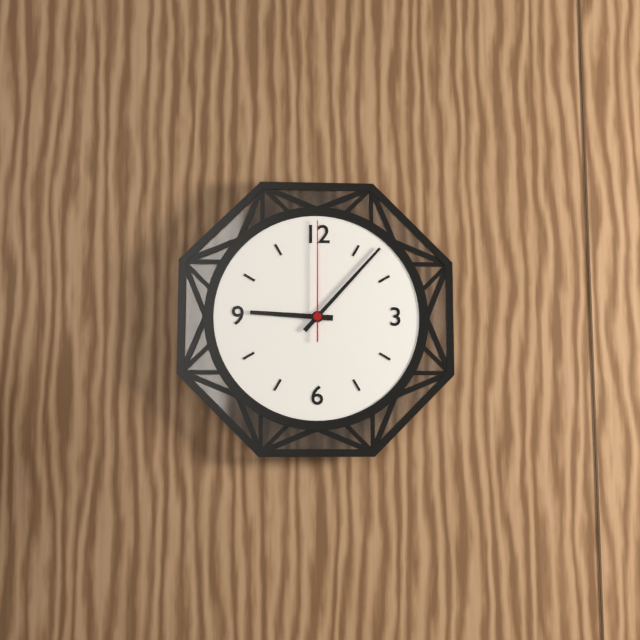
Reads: 9:07:00
